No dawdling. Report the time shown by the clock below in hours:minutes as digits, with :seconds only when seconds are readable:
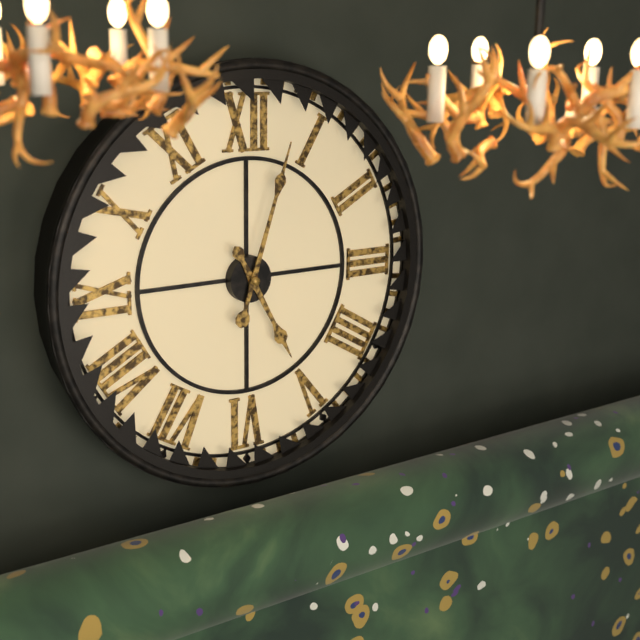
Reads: 5:03
